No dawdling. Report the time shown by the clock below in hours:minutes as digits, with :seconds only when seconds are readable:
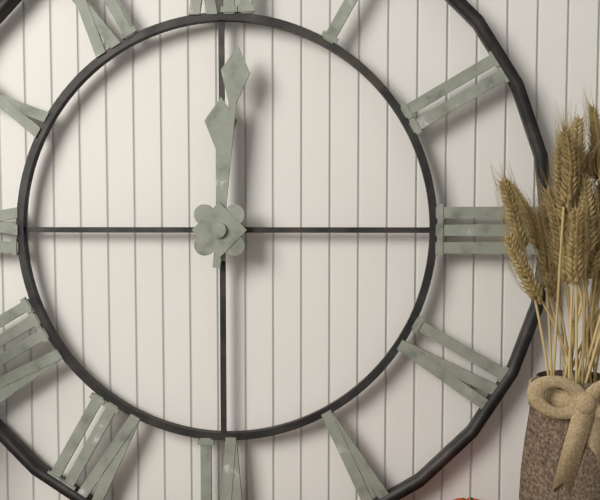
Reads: 12:01
